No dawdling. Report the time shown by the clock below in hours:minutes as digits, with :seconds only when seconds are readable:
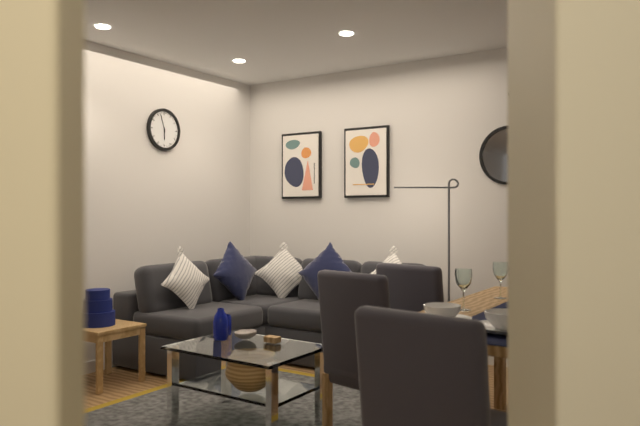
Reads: 5:57
